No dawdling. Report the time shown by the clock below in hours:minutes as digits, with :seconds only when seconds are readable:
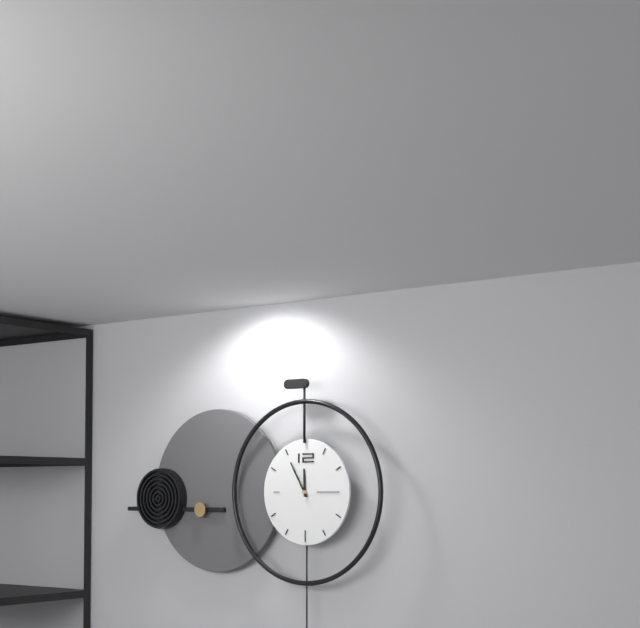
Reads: 11:55
